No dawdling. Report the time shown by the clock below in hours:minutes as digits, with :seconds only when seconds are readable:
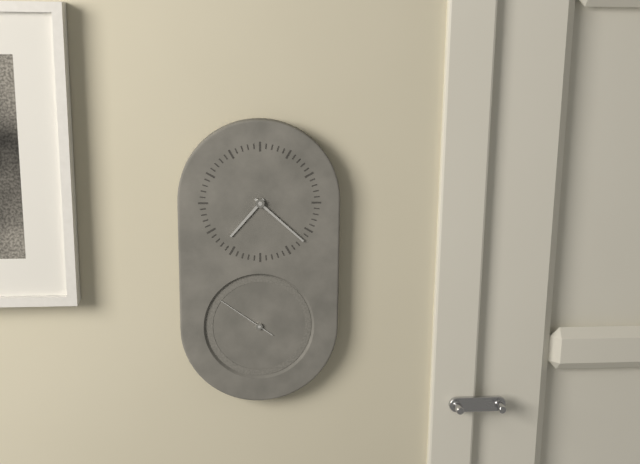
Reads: 7:22:51
